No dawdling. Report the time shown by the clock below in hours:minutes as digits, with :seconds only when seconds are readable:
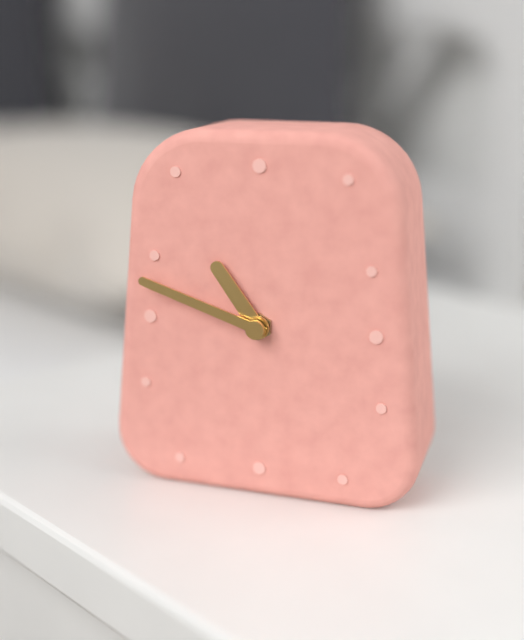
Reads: 10:48
